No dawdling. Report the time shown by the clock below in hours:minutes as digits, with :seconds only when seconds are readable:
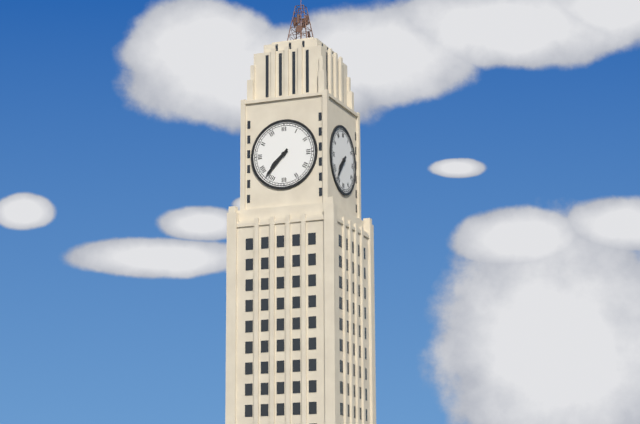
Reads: 7:37
